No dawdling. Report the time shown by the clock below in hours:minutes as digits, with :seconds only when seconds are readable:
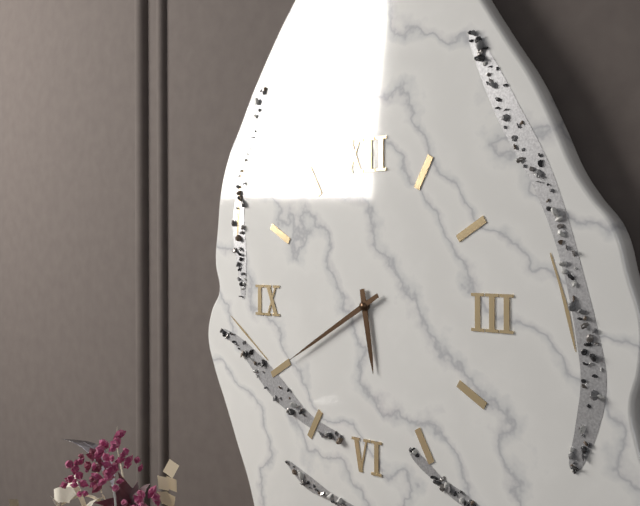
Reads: 5:40
